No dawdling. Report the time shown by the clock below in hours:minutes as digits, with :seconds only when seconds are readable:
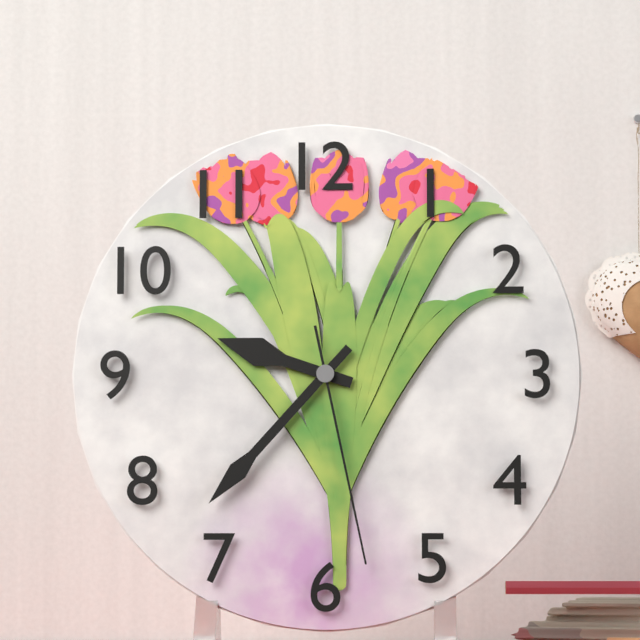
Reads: 9:37:28
